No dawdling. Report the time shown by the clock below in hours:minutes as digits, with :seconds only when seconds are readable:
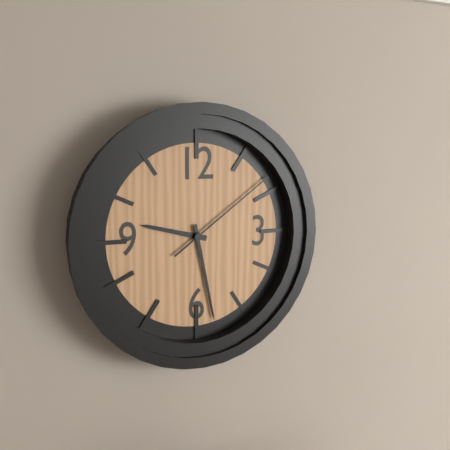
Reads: 9:28:09
